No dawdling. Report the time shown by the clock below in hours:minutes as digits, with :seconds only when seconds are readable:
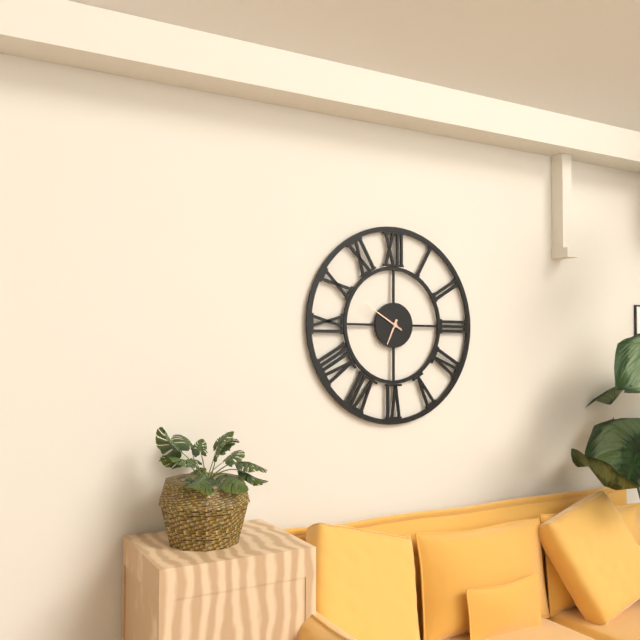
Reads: 6:50
